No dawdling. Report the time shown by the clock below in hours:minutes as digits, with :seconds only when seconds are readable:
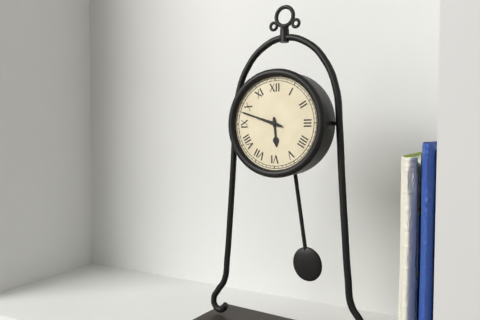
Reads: 5:48
